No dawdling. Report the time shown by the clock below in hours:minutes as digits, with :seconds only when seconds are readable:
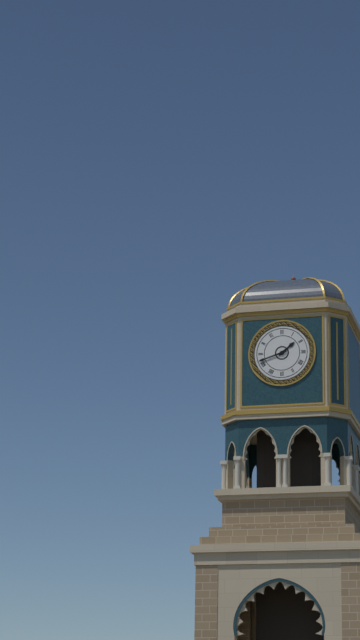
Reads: 1:42
